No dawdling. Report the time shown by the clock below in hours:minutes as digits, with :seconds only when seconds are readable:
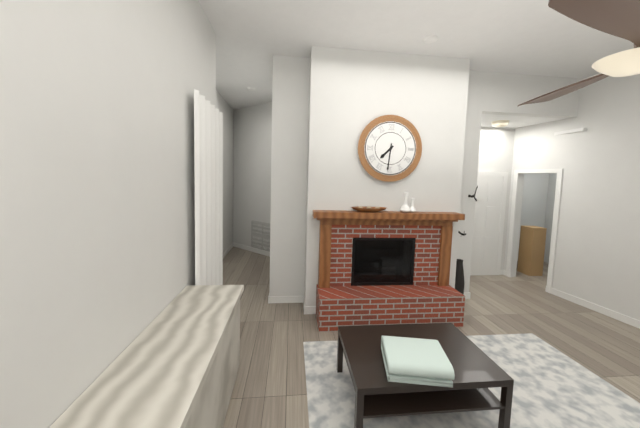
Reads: 7:31
